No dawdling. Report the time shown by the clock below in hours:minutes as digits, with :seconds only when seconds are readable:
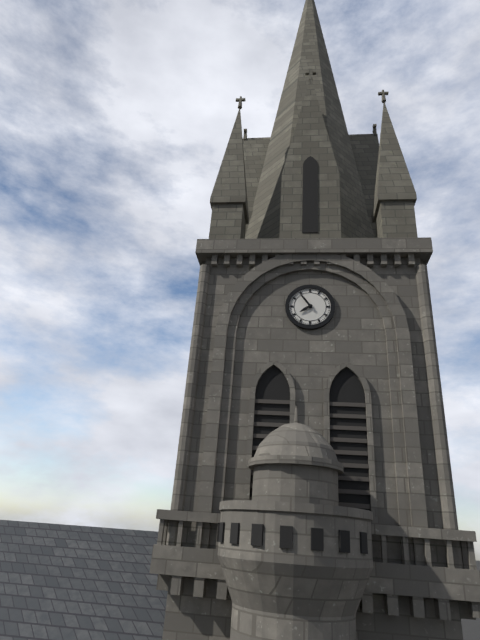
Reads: 7:54
